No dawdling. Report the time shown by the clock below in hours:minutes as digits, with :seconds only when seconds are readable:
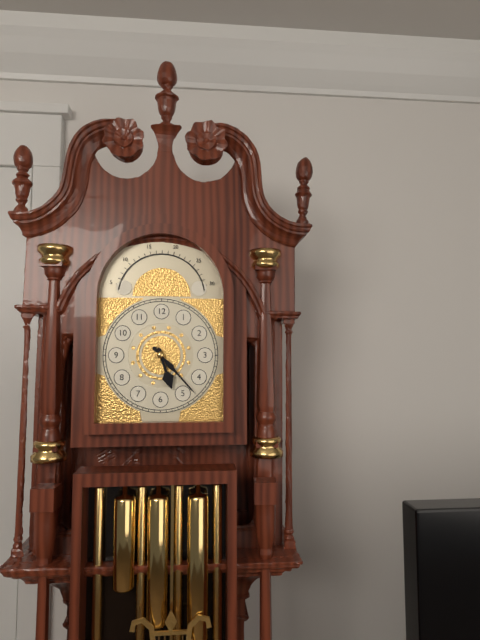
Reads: 5:23
